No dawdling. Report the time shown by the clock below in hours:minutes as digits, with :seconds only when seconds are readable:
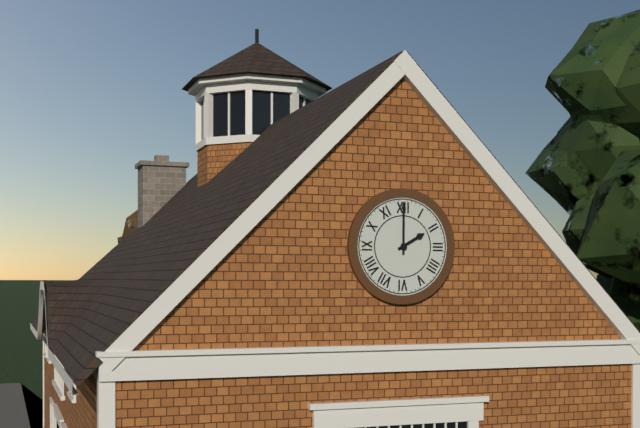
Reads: 2:00
